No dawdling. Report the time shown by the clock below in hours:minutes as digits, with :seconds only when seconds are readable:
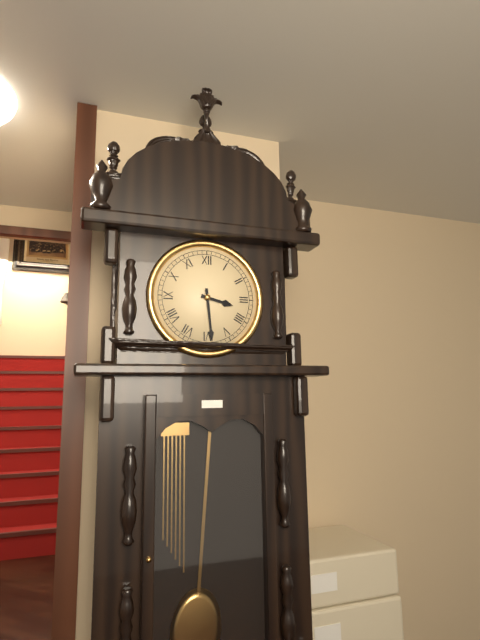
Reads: 3:29
